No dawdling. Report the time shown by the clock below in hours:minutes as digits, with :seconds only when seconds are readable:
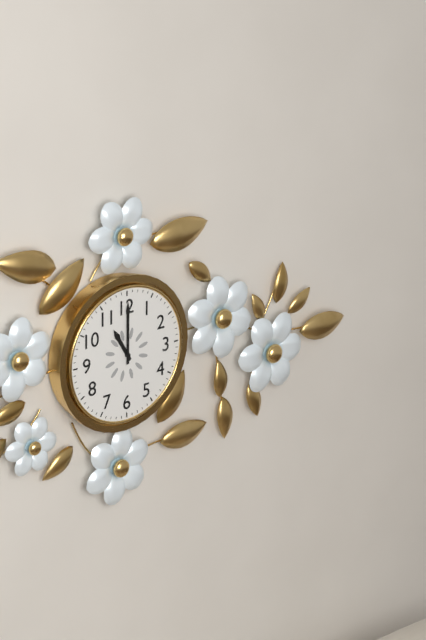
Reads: 11:00
